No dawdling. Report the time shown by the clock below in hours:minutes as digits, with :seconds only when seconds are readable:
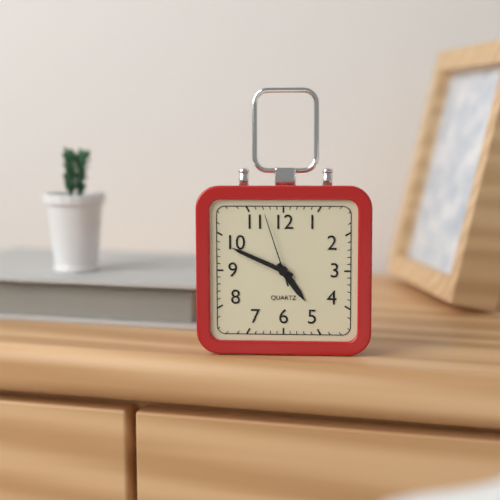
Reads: 4:49:57
